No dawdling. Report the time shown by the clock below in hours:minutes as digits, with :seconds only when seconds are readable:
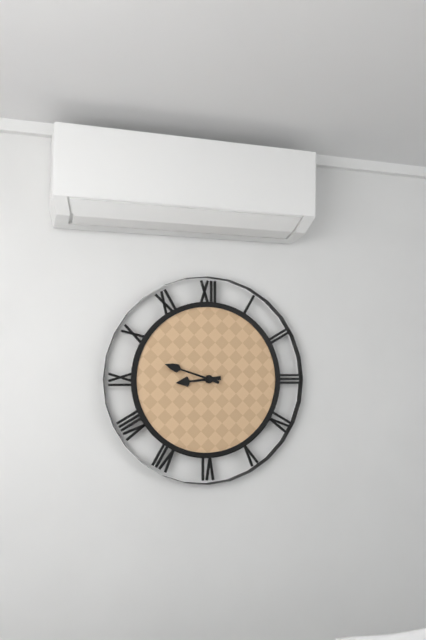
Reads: 8:48
